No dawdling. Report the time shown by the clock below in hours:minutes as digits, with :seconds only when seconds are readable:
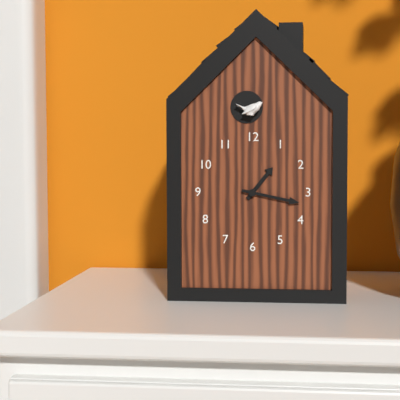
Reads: 1:17
